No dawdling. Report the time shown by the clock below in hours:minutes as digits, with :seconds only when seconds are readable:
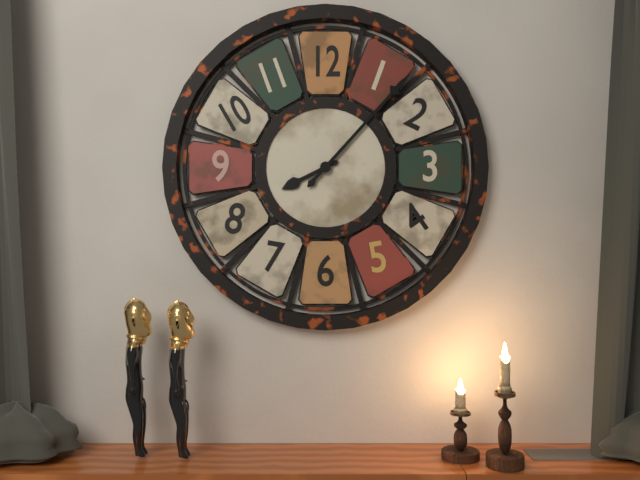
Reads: 8:07
